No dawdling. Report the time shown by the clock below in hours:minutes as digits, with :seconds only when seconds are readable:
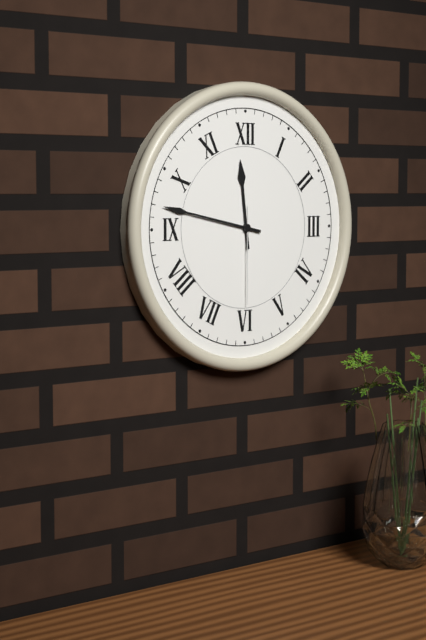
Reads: 11:47:30
